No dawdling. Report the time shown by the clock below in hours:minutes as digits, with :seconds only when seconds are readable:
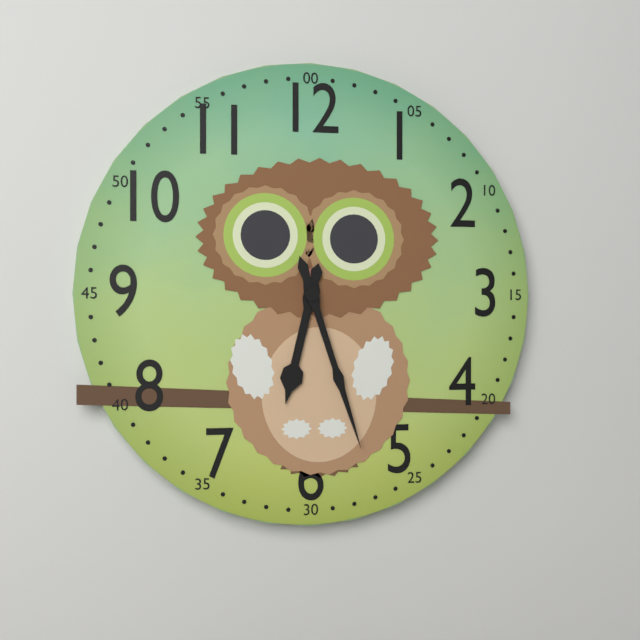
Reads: 6:27
